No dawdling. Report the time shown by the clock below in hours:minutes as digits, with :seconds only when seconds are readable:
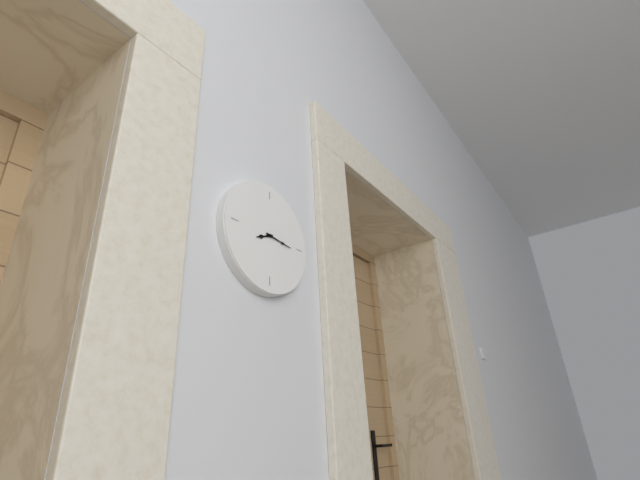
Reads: 8:16
